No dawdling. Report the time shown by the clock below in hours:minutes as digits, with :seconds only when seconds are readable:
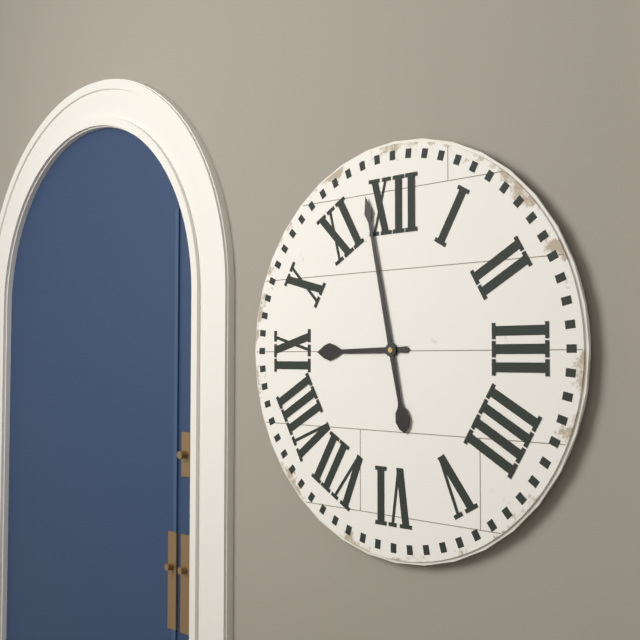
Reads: 8:58
